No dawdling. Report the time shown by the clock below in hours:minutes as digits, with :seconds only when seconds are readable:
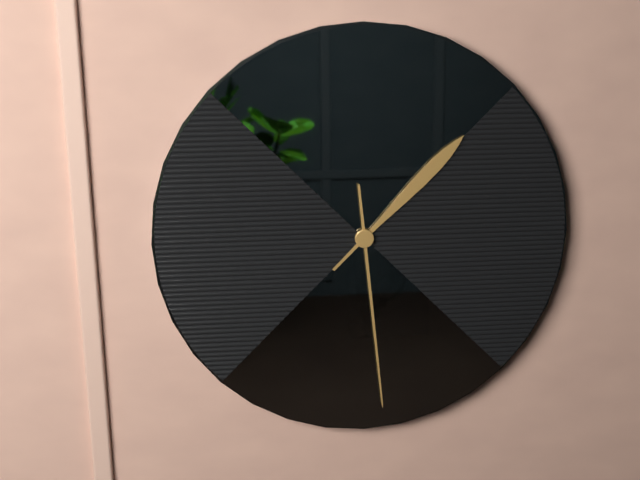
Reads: 1:29
